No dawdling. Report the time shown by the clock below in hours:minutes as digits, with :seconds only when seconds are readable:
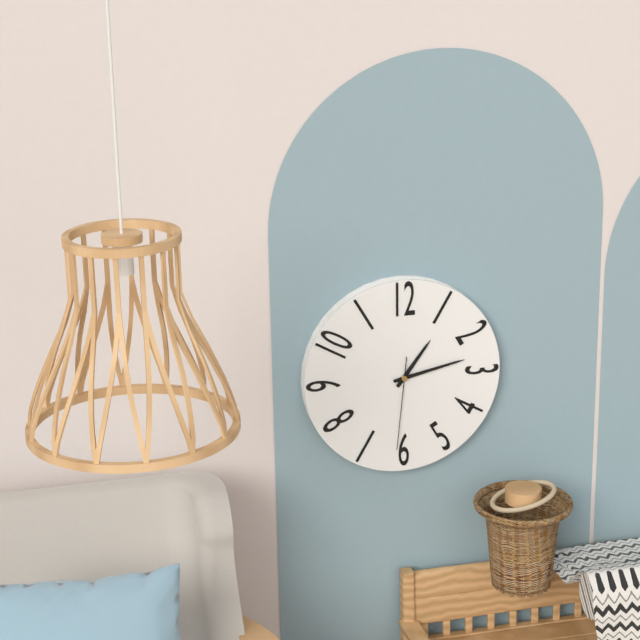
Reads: 1:13:31
